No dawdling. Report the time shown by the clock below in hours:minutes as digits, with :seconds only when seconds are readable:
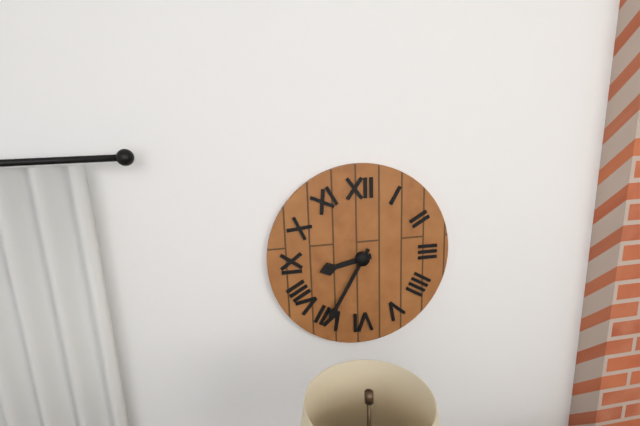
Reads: 8:35
